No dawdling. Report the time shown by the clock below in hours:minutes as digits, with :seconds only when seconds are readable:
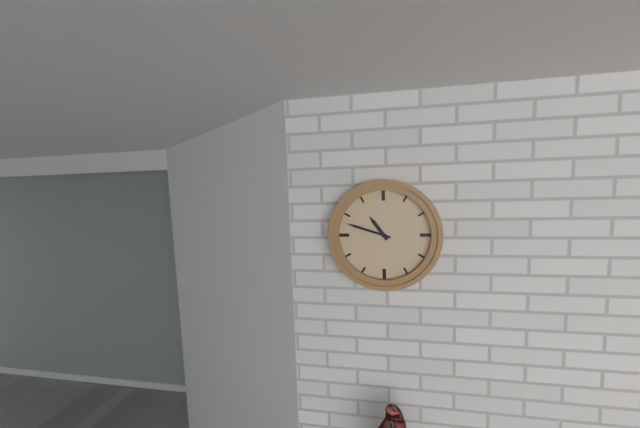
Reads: 10:48
